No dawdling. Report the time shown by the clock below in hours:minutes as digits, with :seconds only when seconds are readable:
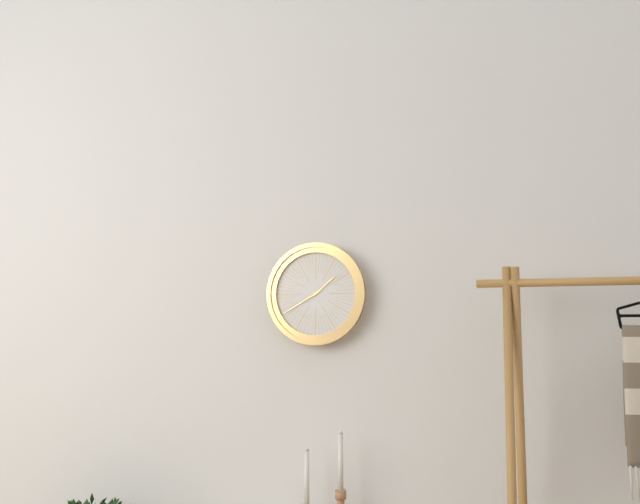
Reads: 1:40
